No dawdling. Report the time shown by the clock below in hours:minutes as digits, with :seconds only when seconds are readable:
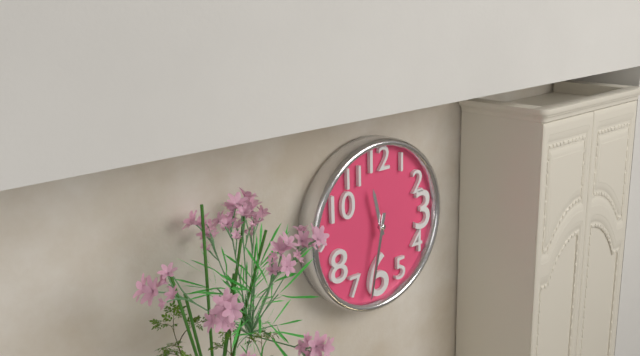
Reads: 11:32
